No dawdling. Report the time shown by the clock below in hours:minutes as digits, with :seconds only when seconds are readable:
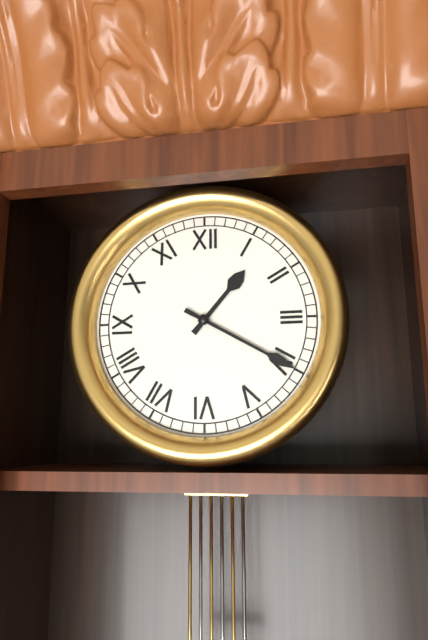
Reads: 1:20
